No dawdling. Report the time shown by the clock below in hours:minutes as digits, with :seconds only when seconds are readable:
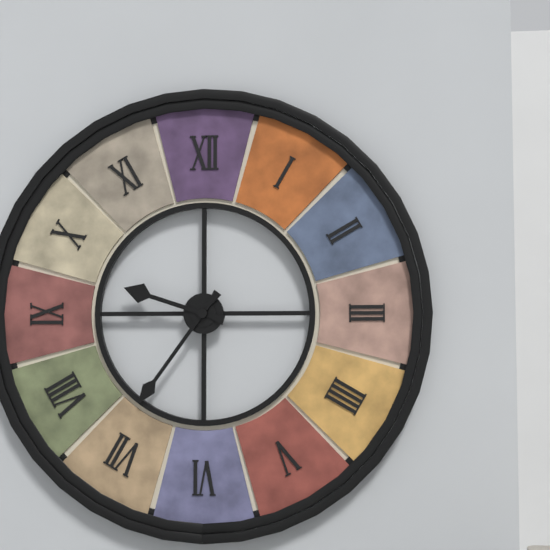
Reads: 9:36
